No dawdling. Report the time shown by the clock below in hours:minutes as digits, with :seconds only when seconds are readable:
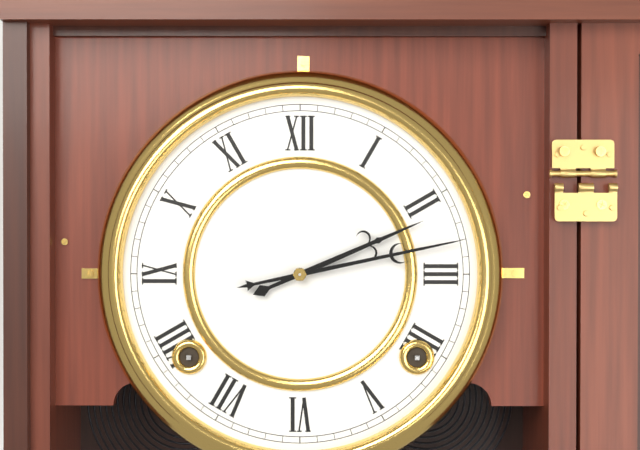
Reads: 2:13
